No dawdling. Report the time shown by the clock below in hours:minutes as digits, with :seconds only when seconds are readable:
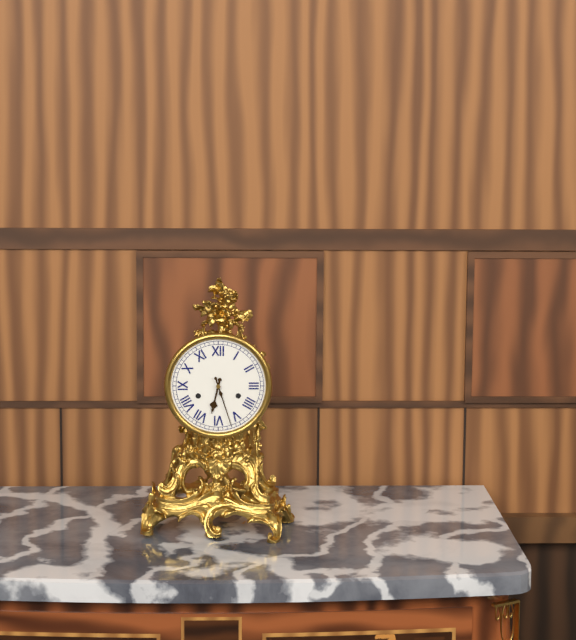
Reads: 6:27
